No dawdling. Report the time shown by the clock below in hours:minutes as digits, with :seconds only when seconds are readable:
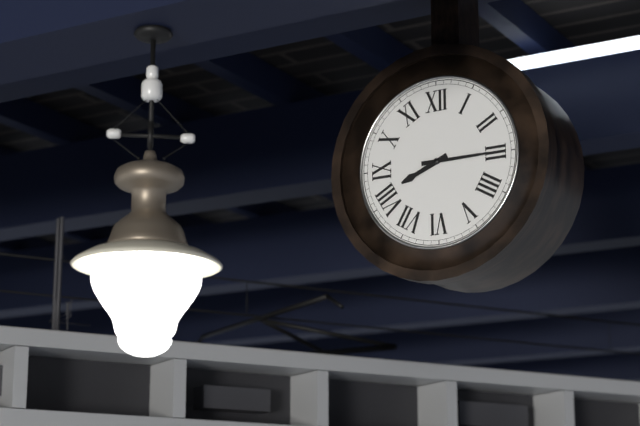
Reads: 8:15
